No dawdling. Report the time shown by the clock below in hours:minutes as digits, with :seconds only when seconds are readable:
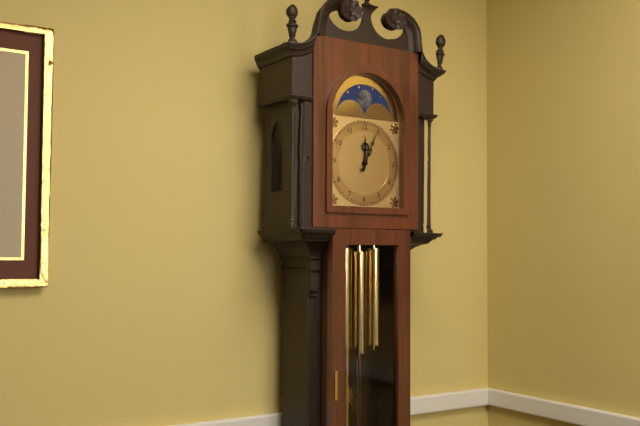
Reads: 12:04
